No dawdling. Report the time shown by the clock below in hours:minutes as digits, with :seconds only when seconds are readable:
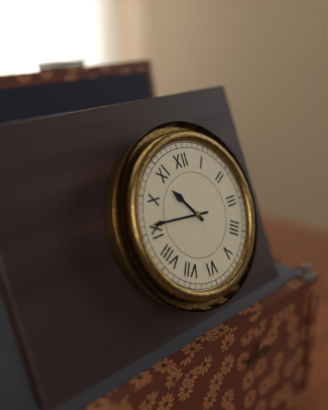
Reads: 10:46
